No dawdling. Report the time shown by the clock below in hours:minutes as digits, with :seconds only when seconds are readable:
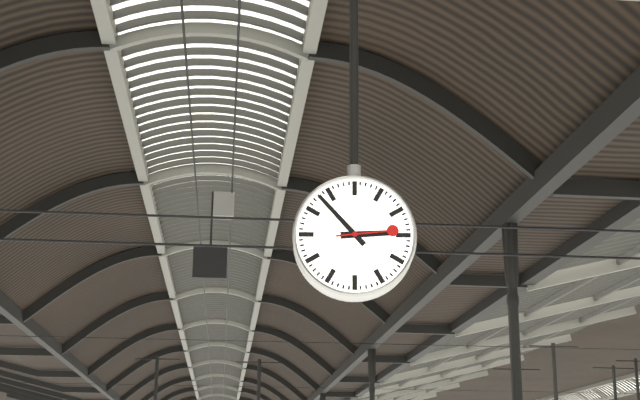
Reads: 2:53:14
